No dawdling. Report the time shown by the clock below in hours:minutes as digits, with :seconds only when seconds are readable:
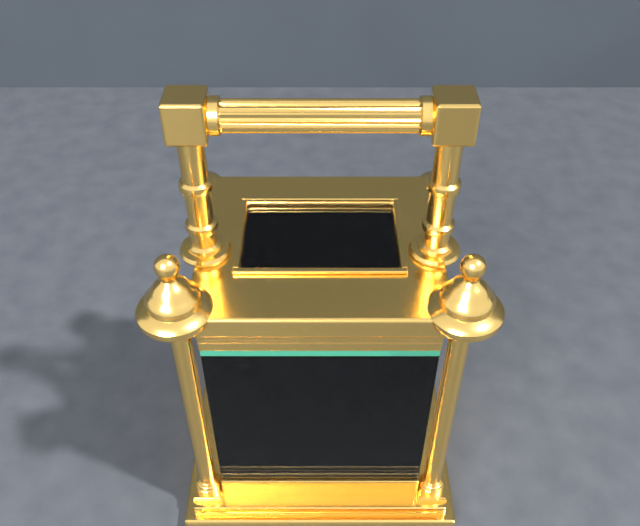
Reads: 2:06
